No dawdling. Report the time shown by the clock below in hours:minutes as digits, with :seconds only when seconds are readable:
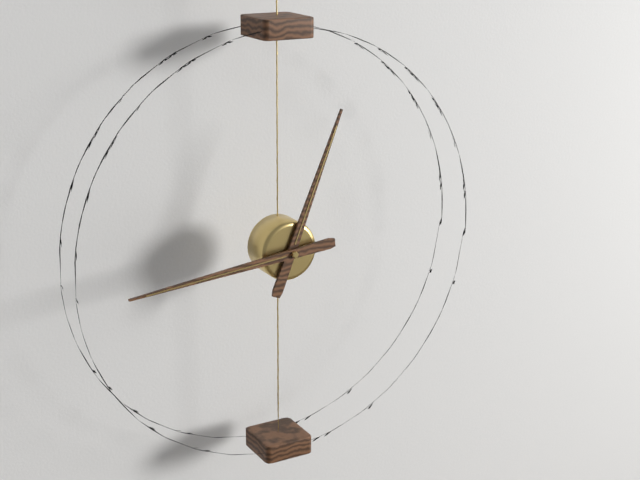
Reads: 12:44
